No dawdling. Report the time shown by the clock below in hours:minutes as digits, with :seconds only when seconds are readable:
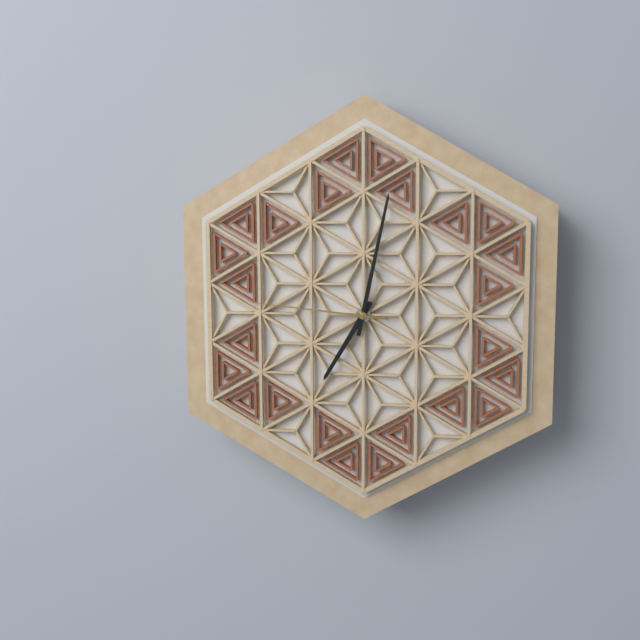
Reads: 7:02:46
